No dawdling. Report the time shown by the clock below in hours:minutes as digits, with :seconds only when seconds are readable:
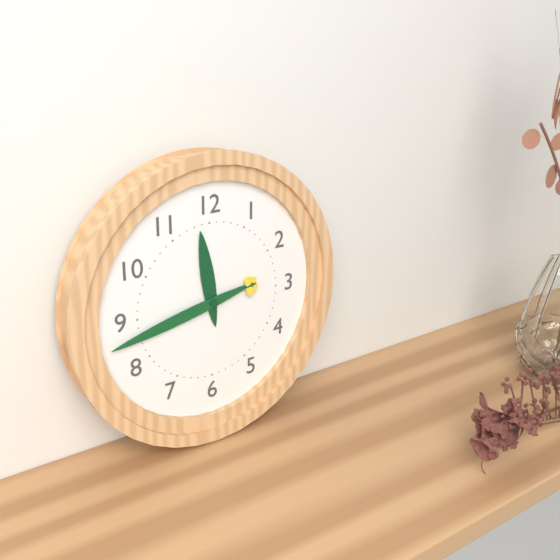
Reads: 11:43
